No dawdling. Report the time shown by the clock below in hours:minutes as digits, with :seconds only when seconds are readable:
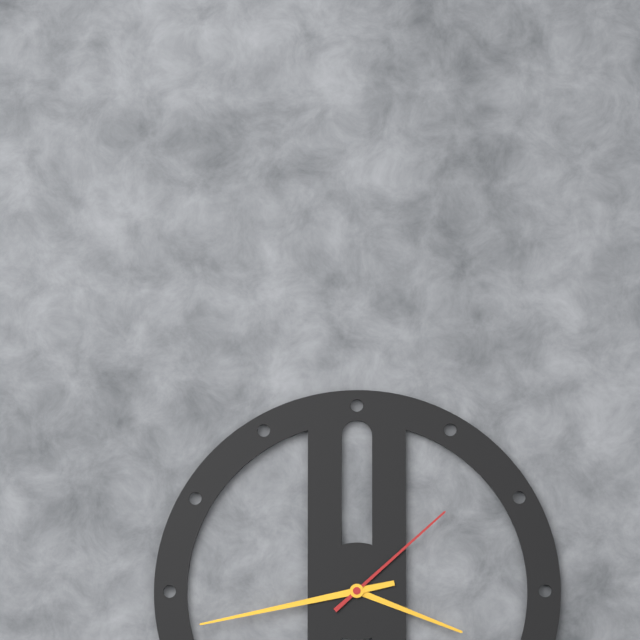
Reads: 3:43:08
